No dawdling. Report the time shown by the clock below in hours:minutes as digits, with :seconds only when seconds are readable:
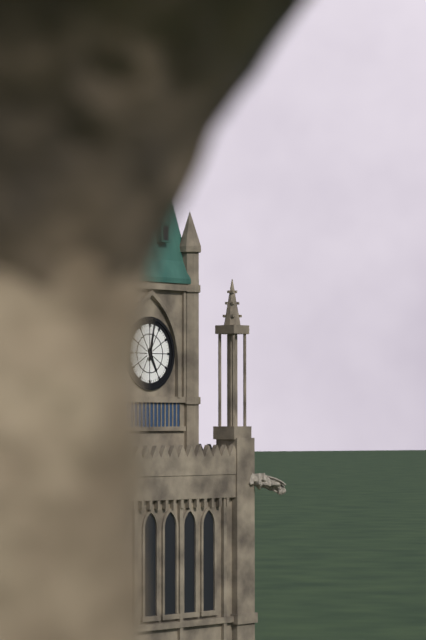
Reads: 5:02
